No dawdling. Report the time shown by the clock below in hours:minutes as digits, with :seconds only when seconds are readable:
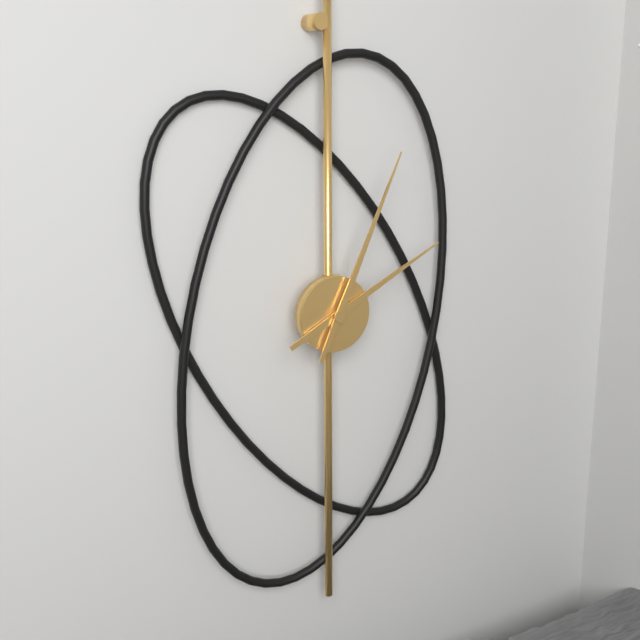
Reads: 2:04
